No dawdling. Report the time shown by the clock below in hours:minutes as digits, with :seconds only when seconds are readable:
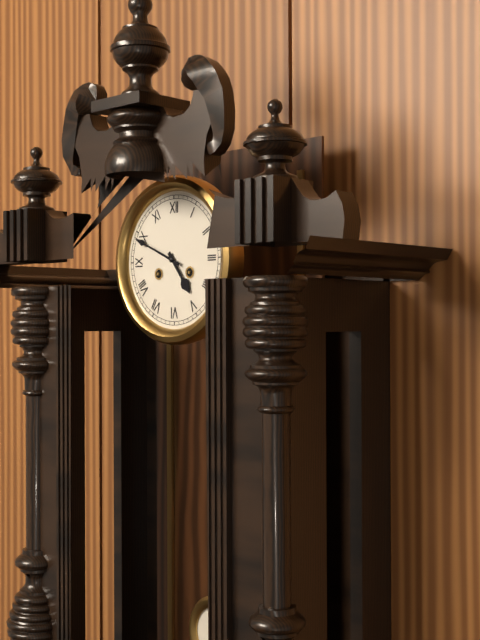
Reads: 4:49
